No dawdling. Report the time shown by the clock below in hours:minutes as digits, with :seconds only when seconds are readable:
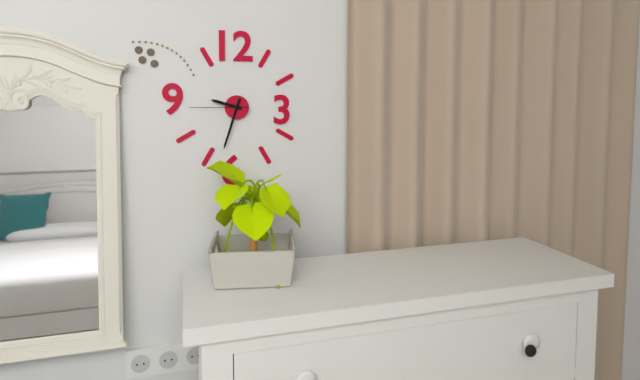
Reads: 9:33:45
